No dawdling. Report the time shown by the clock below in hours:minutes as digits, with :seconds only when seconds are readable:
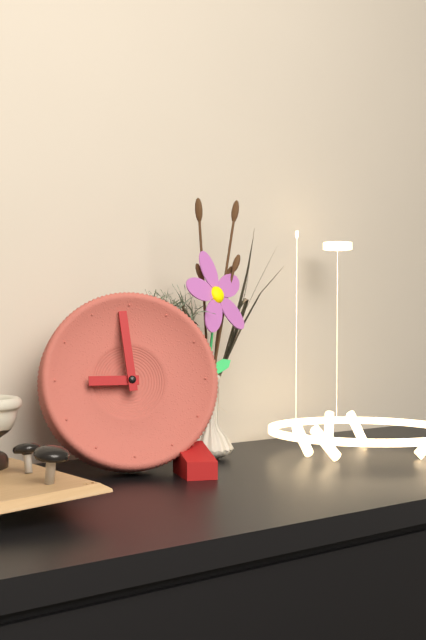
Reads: 8:59
